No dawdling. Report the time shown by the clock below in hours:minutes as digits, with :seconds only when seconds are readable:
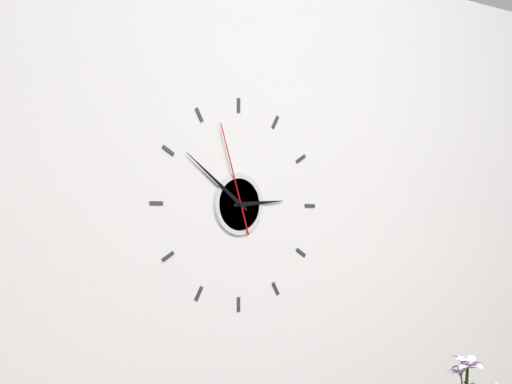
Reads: 2:51:57
